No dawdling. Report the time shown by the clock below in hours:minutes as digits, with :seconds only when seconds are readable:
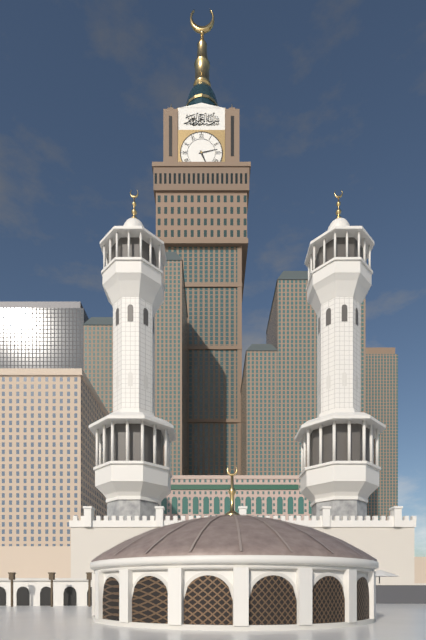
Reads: 5:13
